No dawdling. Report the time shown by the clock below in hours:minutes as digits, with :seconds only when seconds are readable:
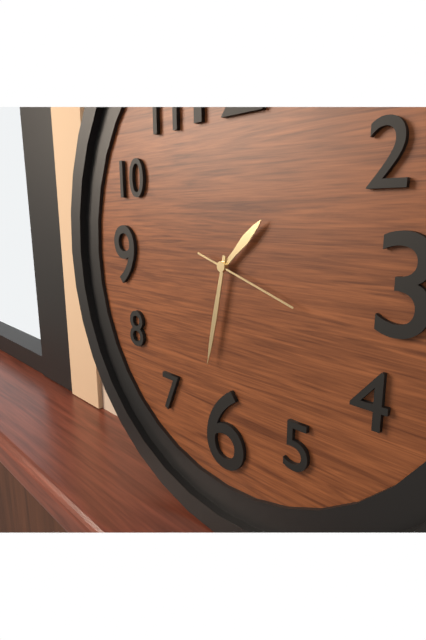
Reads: 1:32:18
